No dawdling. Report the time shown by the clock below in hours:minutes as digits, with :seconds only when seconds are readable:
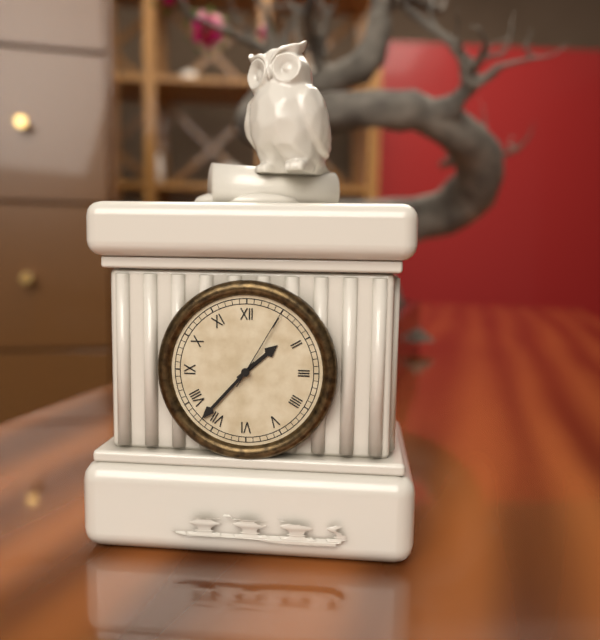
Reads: 1:37:05
